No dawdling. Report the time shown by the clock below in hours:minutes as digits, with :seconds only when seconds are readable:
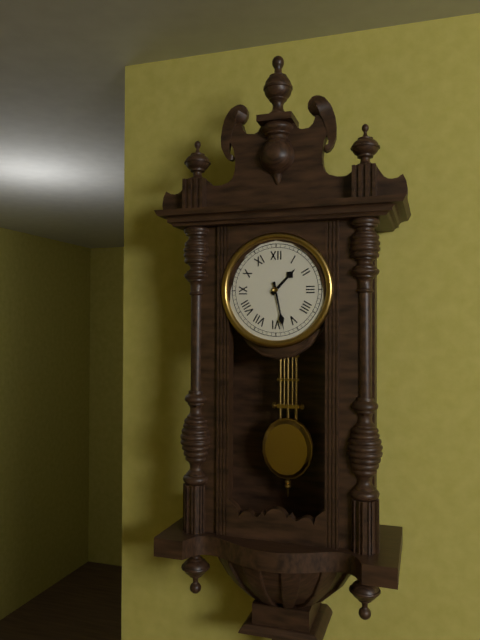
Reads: 1:28
